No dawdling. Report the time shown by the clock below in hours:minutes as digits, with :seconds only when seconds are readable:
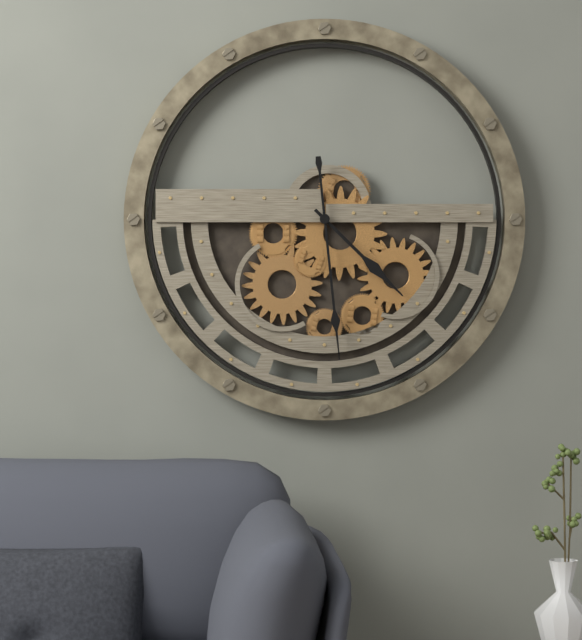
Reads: 4:29
